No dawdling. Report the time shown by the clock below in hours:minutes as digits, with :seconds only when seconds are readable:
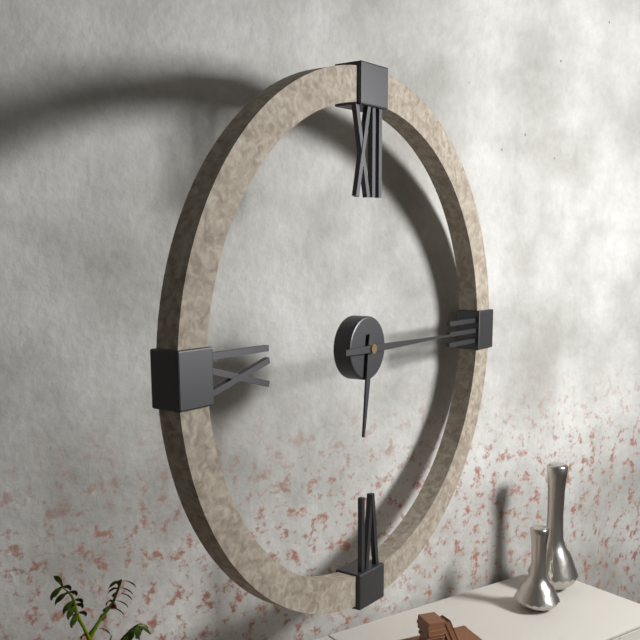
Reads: 6:15
